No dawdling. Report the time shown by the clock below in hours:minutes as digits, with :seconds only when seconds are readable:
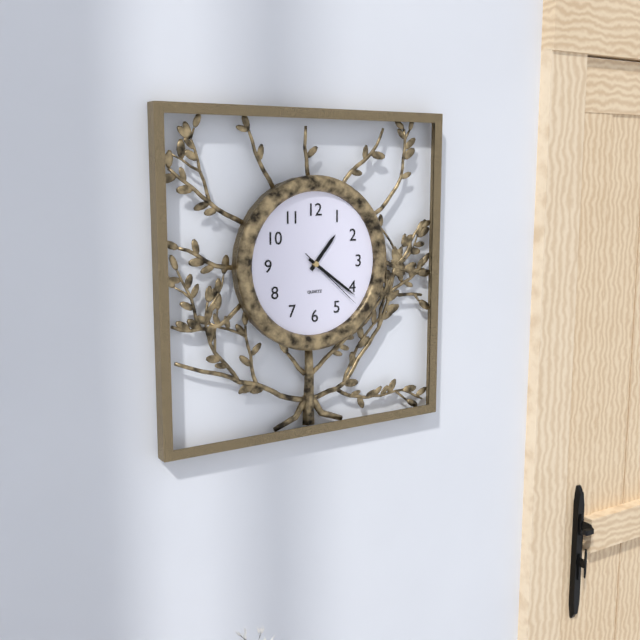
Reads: 1:21:22
